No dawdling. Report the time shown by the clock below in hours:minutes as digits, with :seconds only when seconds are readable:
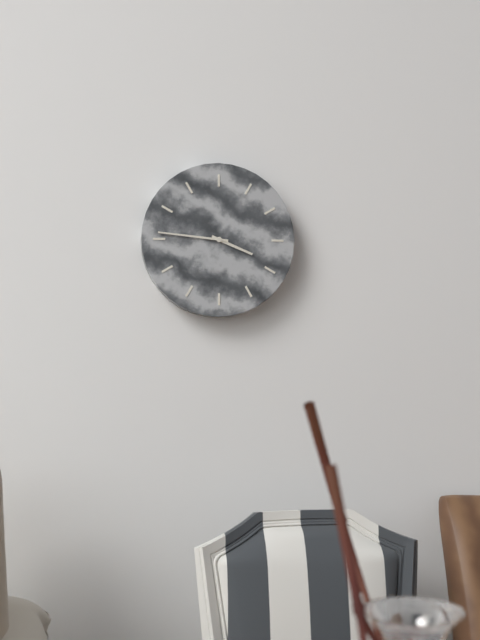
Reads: 3:46
